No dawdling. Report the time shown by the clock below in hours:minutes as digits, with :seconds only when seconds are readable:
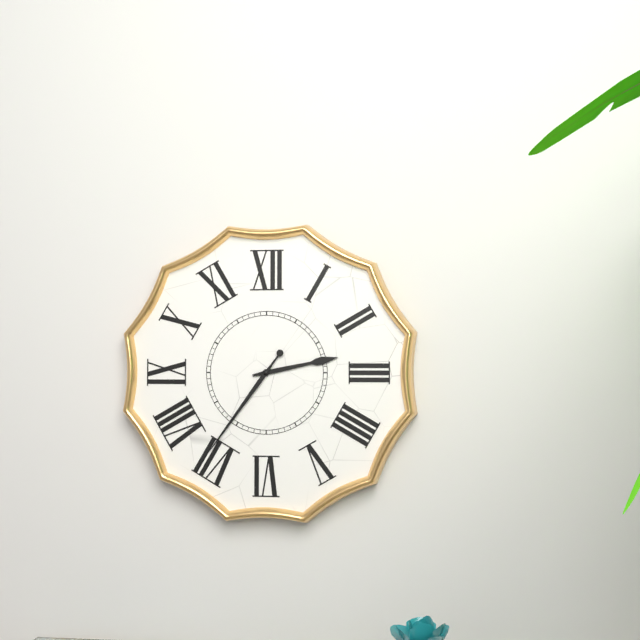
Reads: 2:36
